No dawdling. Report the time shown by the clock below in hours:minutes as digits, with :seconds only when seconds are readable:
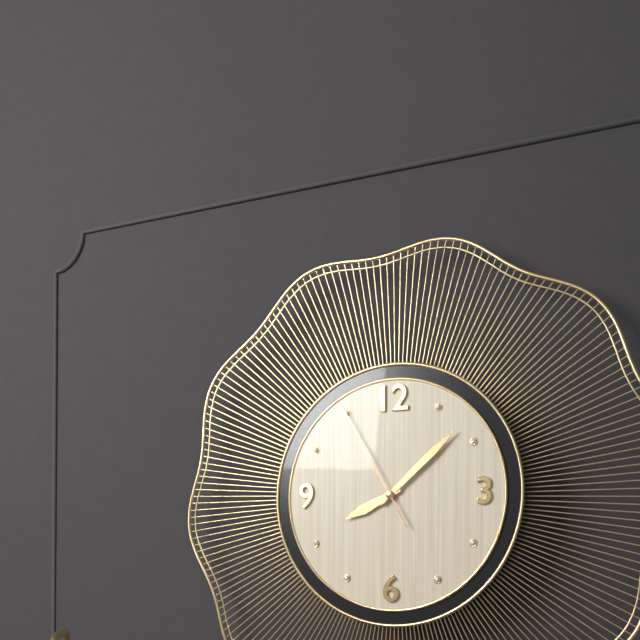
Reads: 8:08:55
